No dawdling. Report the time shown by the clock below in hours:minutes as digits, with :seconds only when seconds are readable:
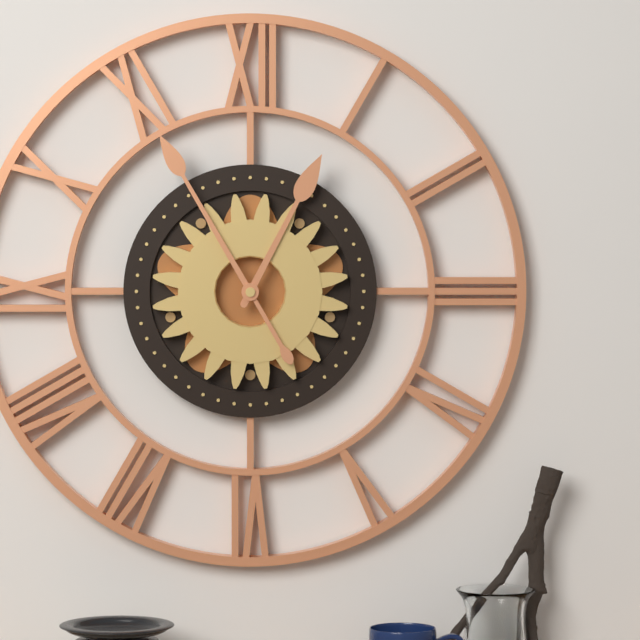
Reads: 12:55
